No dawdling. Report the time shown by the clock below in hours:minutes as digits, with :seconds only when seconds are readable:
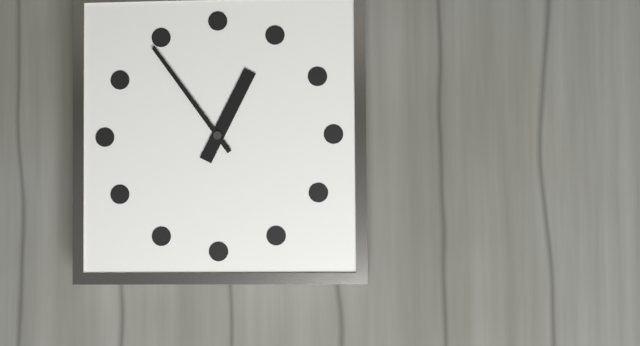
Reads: 12:54
